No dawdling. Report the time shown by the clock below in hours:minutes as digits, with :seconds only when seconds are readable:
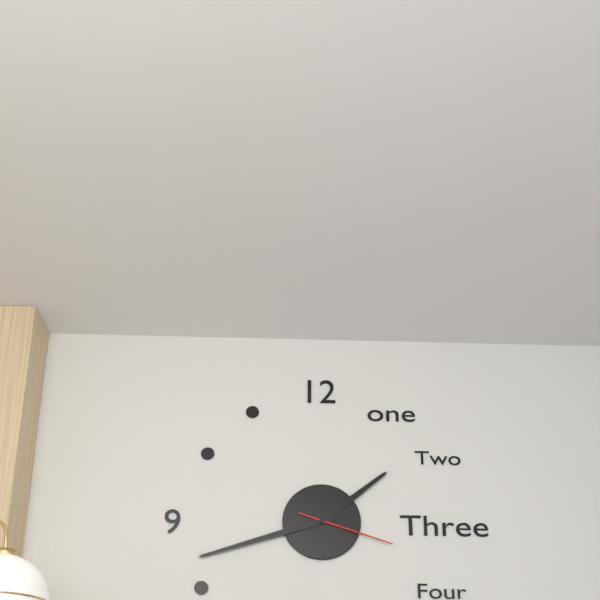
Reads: 1:42:18
